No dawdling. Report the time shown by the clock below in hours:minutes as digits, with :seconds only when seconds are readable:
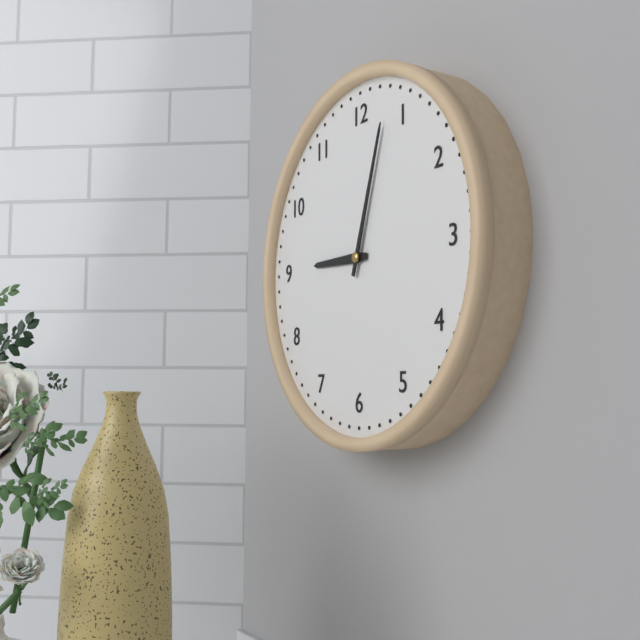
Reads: 9:03
